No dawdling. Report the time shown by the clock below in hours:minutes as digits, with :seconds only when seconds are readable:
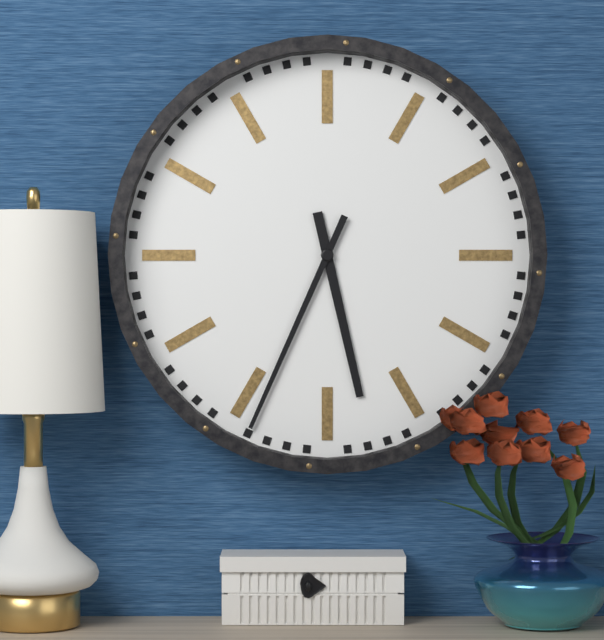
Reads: 5:34
